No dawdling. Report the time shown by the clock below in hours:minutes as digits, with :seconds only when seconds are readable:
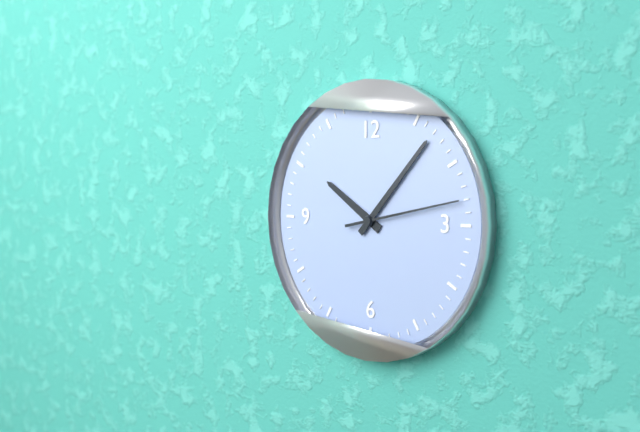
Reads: 10:07:13
